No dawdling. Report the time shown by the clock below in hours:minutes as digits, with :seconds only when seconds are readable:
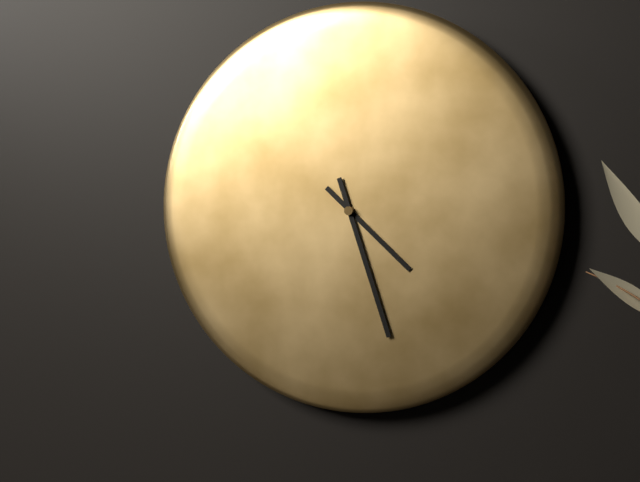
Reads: 4:27
